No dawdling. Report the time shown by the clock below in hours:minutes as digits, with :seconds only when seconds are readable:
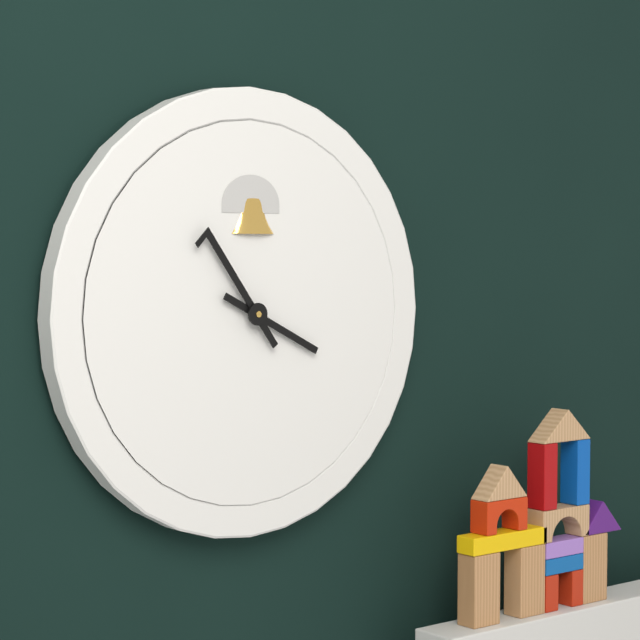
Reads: 3:54
